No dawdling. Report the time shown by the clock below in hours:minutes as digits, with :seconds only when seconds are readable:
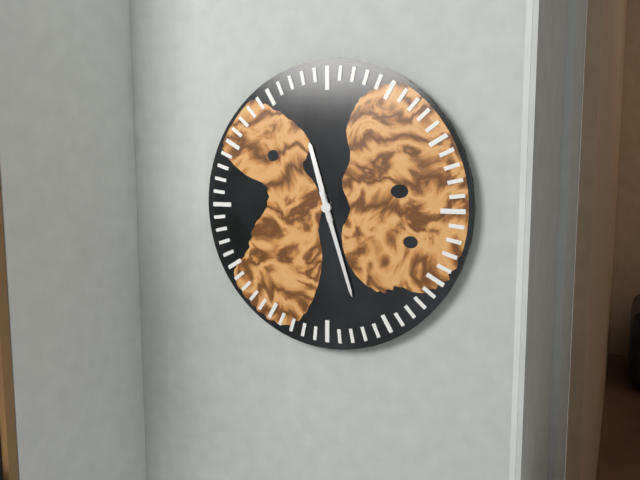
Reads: 11:27
